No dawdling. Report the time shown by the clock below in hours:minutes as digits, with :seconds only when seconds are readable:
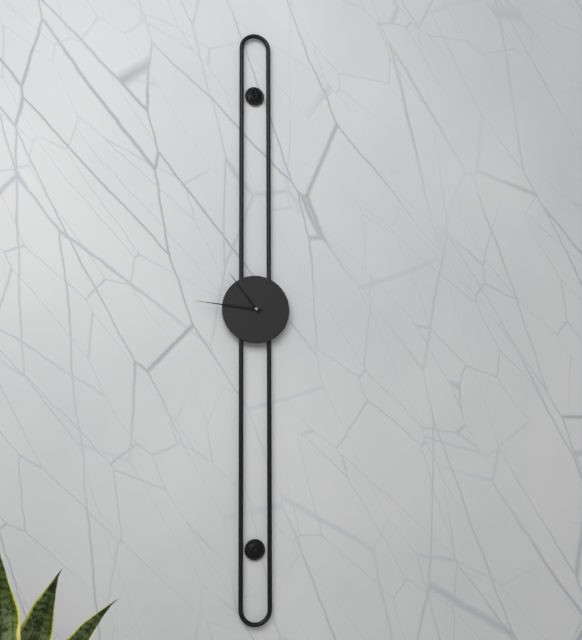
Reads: 10:46
